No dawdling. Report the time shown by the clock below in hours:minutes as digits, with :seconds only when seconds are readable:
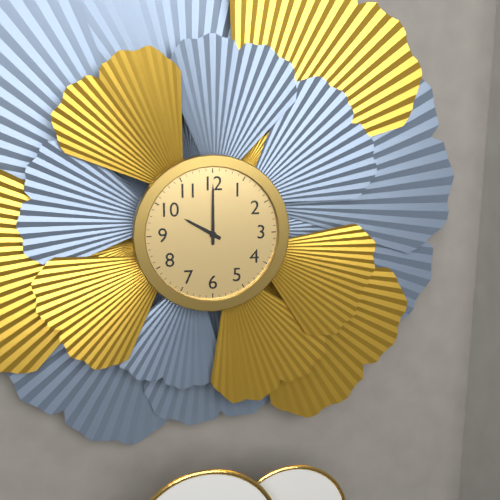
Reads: 10:00
